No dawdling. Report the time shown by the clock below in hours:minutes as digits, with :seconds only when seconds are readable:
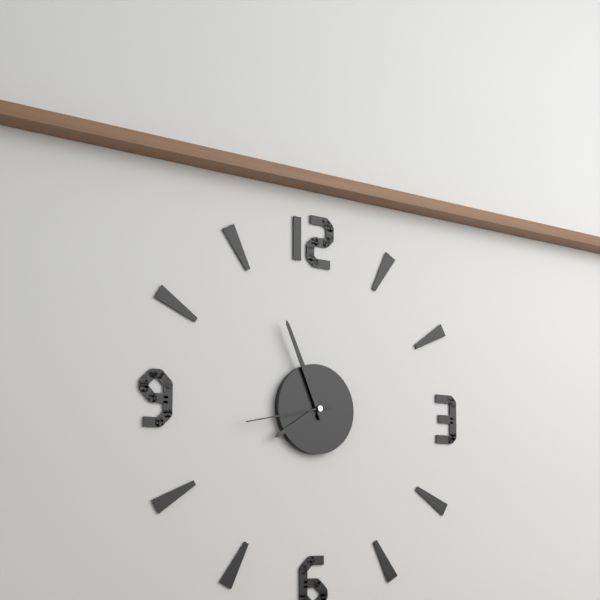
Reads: 7:56:43
